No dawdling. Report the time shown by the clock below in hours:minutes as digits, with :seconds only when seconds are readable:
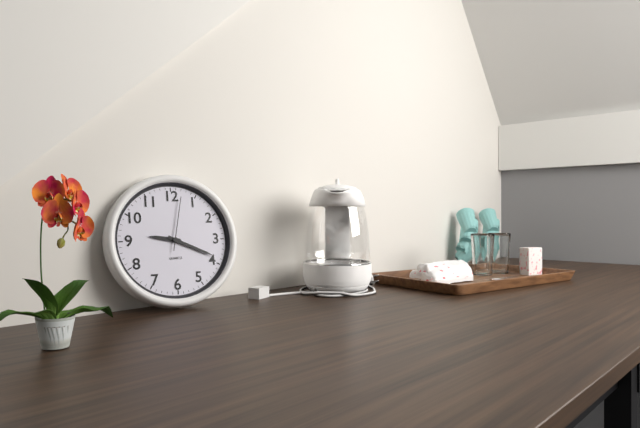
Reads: 9:19:02
